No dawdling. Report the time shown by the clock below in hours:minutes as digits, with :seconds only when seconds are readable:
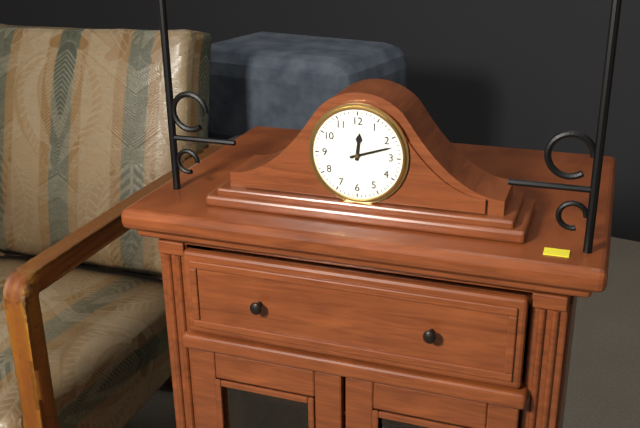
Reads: 12:12
